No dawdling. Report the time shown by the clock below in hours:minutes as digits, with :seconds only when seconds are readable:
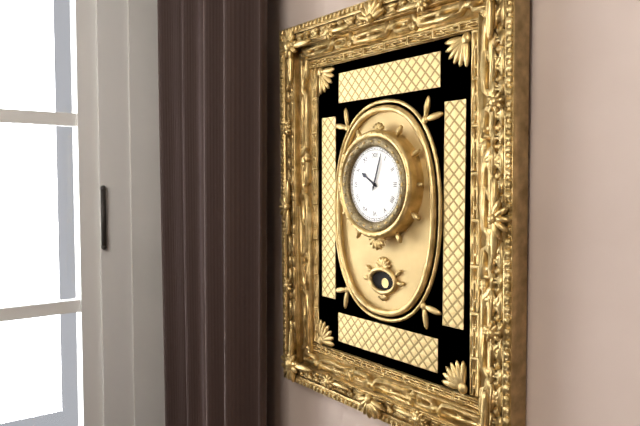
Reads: 10:03
